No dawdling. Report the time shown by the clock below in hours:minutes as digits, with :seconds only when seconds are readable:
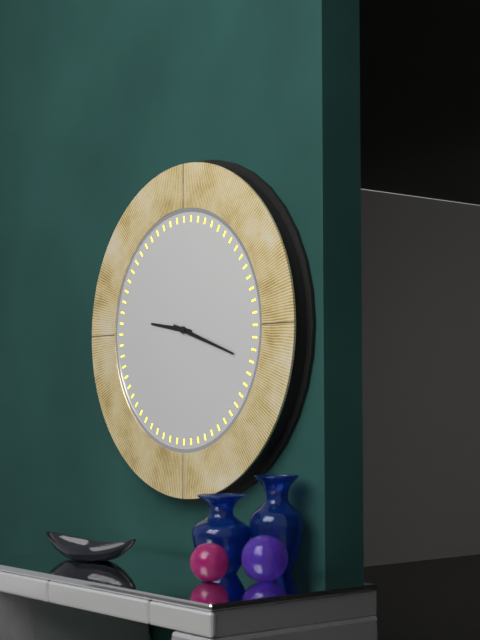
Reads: 9:18
